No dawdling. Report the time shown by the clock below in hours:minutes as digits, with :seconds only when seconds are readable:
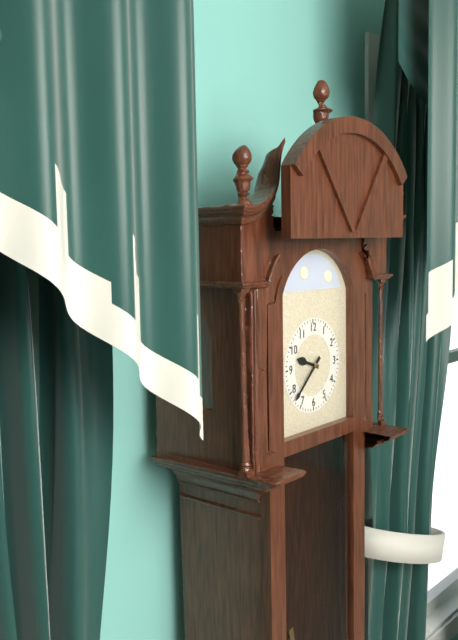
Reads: 9:38
